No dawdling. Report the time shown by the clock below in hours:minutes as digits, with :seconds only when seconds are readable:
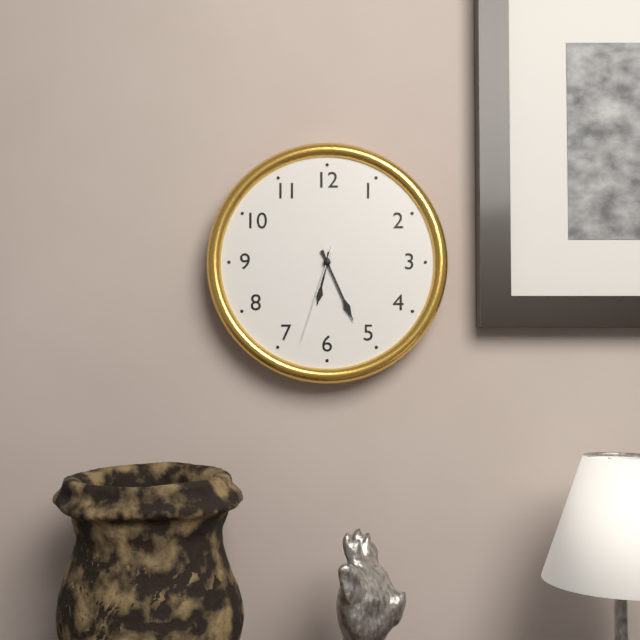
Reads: 6:26:33
